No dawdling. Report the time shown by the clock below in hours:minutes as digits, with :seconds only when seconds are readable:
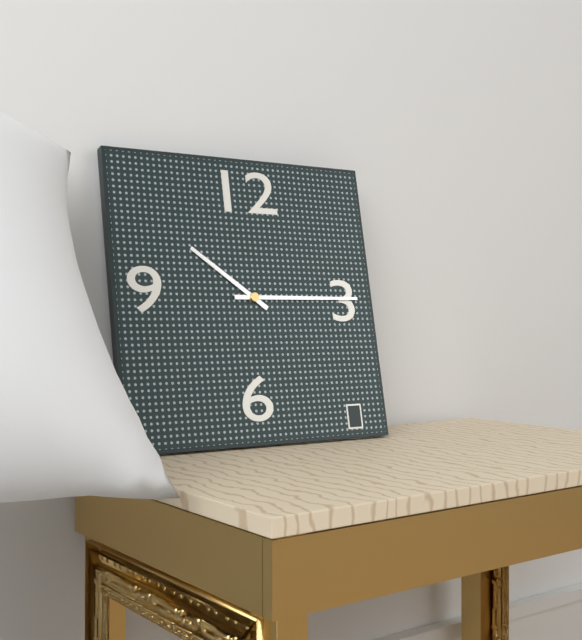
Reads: 10:15
